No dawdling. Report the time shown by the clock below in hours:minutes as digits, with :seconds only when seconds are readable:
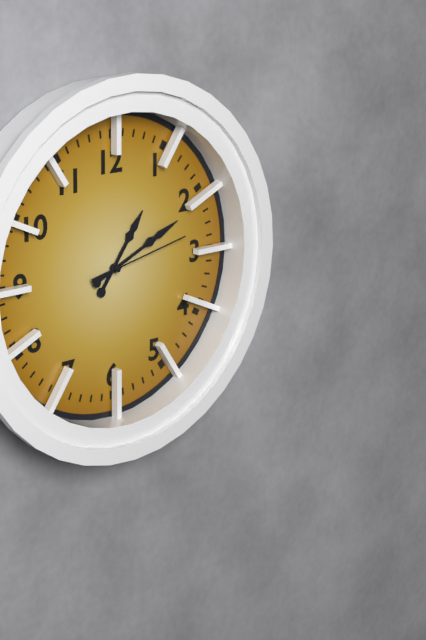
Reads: 1:11:13
